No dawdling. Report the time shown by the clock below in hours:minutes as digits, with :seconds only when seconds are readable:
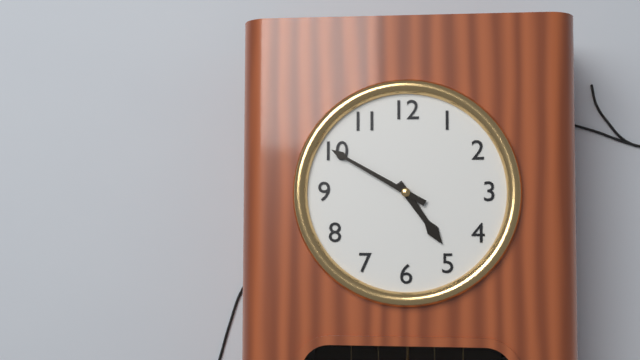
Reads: 4:50
